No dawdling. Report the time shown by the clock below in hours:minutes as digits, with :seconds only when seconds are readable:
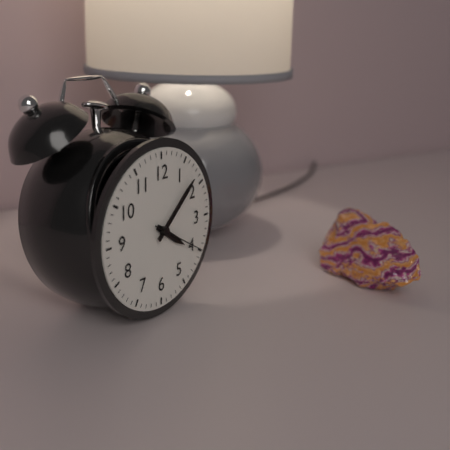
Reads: 4:08:20
